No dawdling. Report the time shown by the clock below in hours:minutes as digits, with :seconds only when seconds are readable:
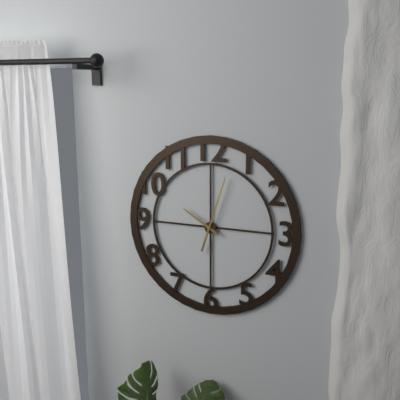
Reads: 10:03
